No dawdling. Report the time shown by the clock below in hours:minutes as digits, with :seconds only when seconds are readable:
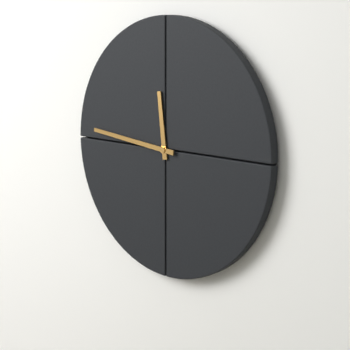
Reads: 11:46
